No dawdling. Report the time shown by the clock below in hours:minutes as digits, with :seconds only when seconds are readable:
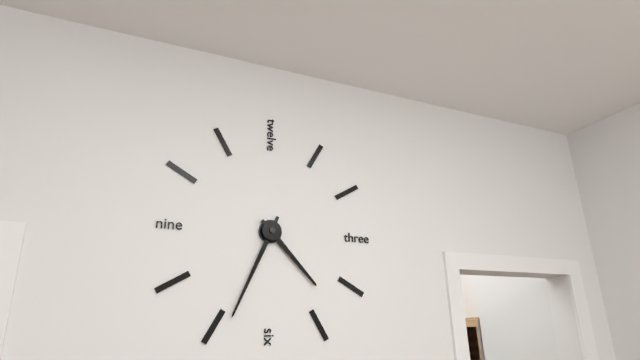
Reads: 4:34
